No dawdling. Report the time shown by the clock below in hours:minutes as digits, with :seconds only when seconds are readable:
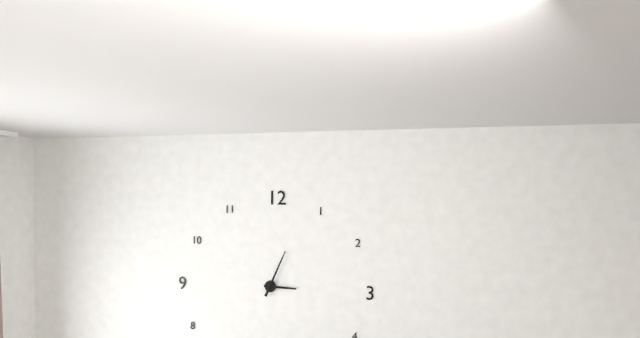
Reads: 3:04
